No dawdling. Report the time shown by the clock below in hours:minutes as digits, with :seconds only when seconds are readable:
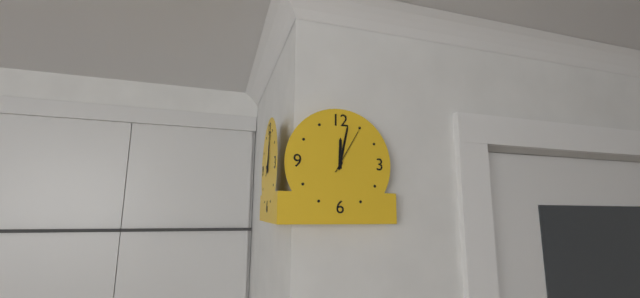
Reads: 12:02
